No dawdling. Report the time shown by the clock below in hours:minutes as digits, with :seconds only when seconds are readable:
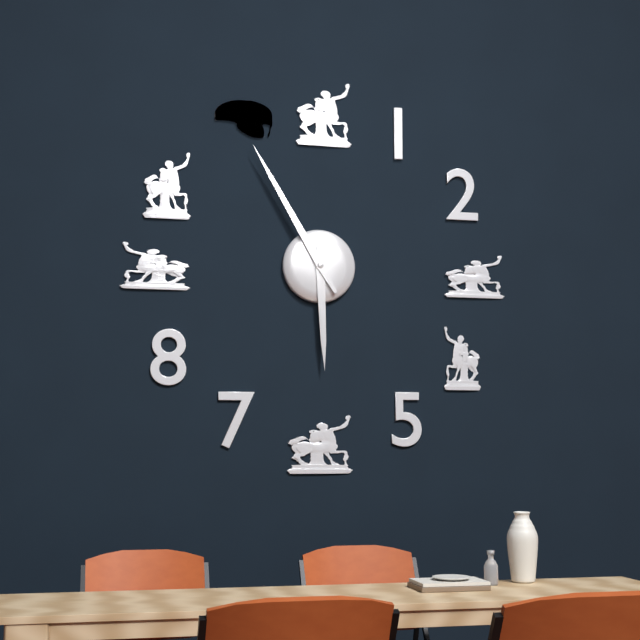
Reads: 5:55
